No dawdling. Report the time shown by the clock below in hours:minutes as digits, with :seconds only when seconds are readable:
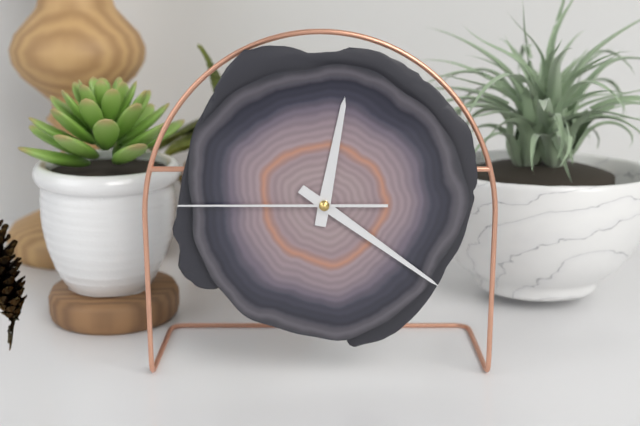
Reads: 12:21:45
